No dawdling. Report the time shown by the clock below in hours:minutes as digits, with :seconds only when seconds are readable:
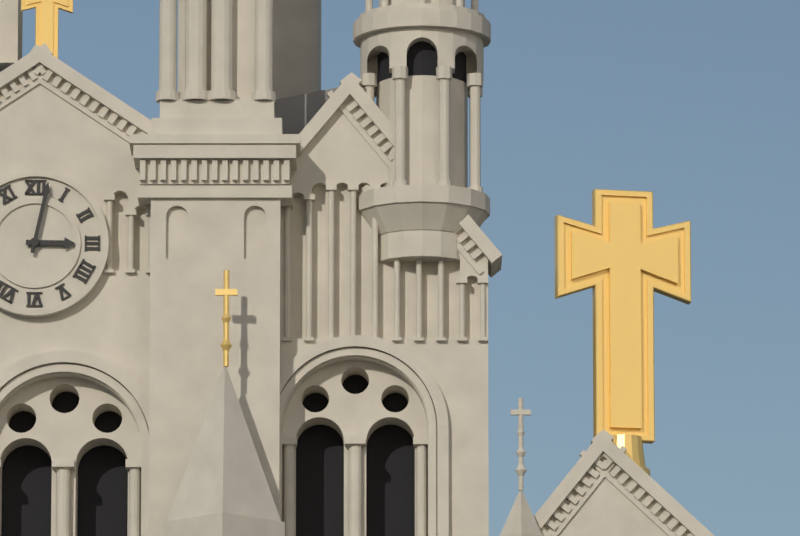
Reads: 3:02
